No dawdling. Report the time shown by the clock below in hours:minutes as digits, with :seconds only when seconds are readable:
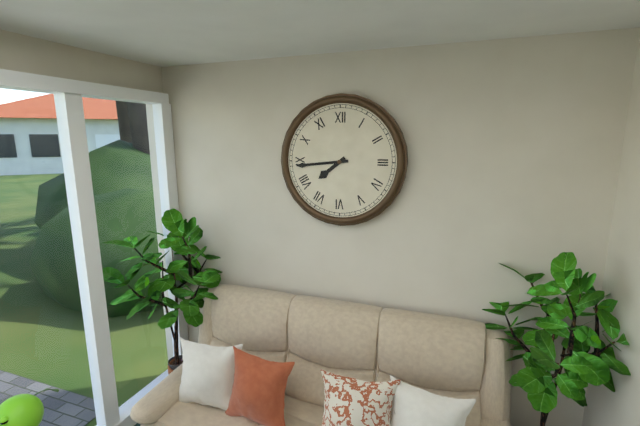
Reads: 7:44
